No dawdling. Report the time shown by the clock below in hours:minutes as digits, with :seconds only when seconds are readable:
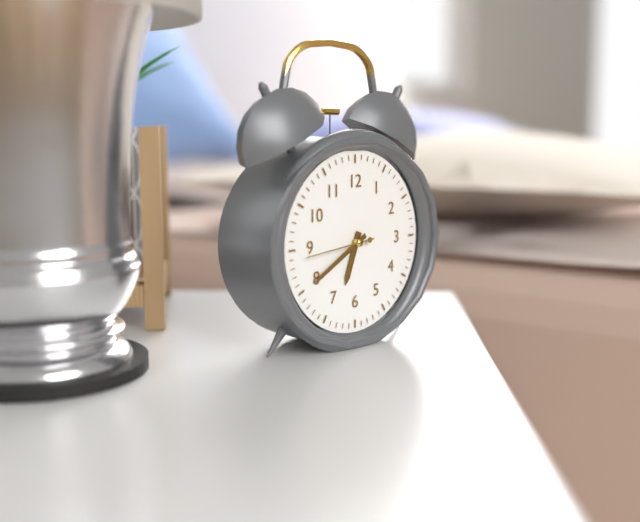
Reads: 6:40:44
